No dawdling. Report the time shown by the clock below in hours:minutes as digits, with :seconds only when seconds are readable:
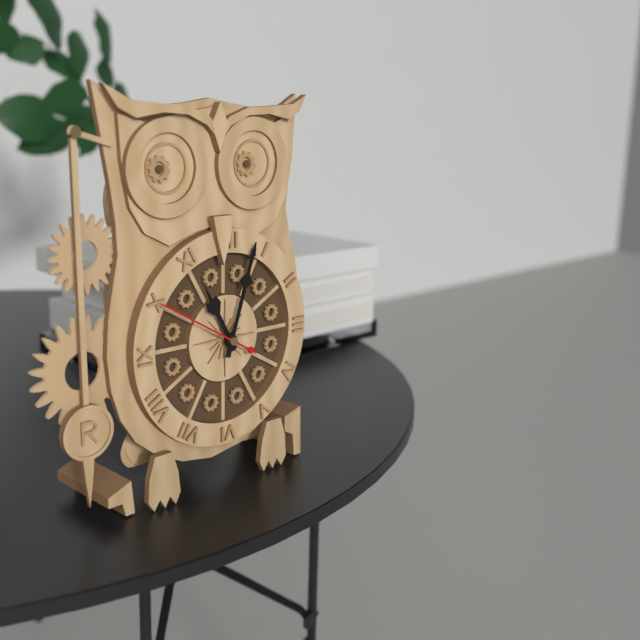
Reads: 11:03:50
